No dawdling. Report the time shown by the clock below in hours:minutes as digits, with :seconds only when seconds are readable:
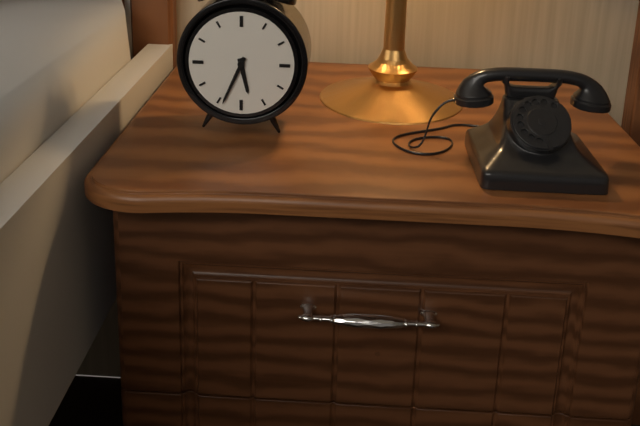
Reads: 5:34
